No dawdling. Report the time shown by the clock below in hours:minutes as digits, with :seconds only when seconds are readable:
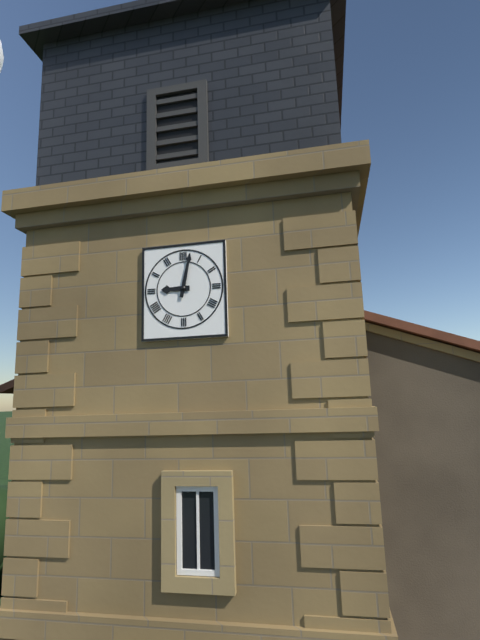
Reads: 9:02
